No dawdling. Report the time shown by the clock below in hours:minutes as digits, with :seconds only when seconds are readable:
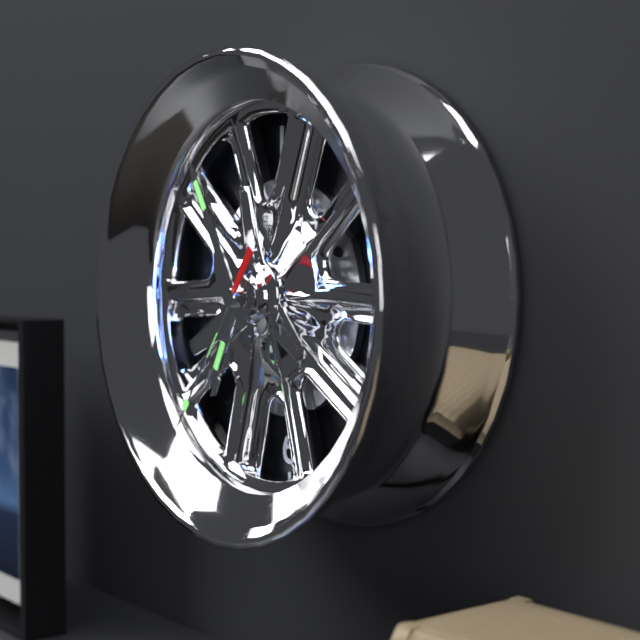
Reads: 6:55:36
